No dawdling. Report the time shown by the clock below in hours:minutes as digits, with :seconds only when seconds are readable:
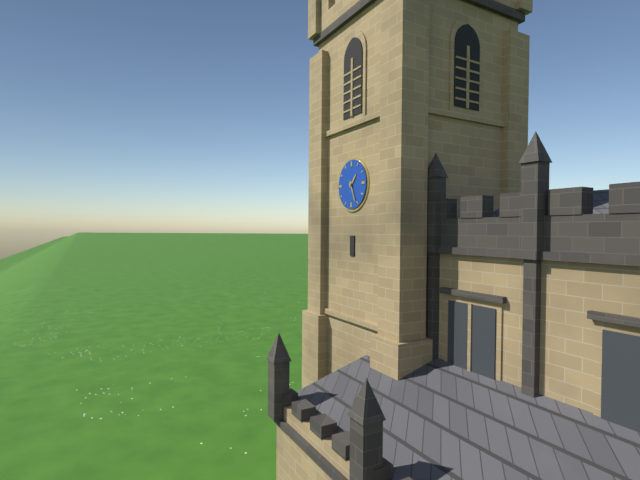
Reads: 1:26
